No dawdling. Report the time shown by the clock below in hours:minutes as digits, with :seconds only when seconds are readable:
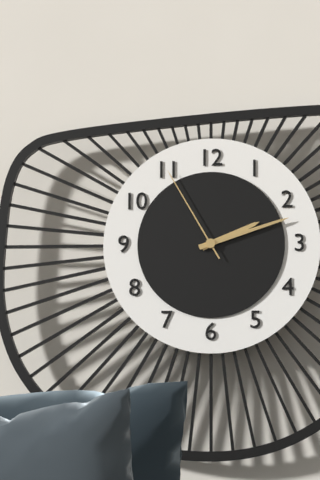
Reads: 2:12:55
